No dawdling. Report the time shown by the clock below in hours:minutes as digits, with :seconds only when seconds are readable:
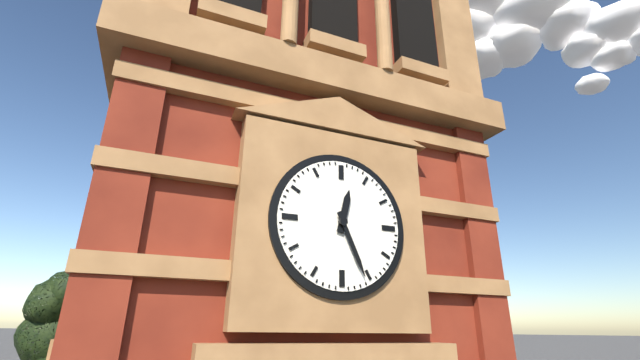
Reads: 12:26
